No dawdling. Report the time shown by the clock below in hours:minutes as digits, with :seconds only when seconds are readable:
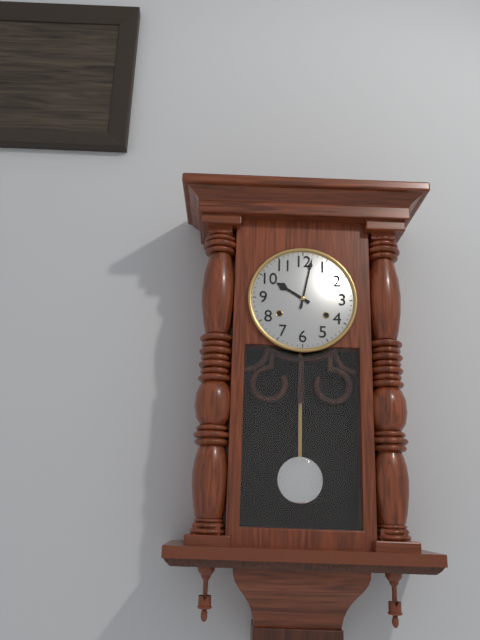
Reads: 10:02
